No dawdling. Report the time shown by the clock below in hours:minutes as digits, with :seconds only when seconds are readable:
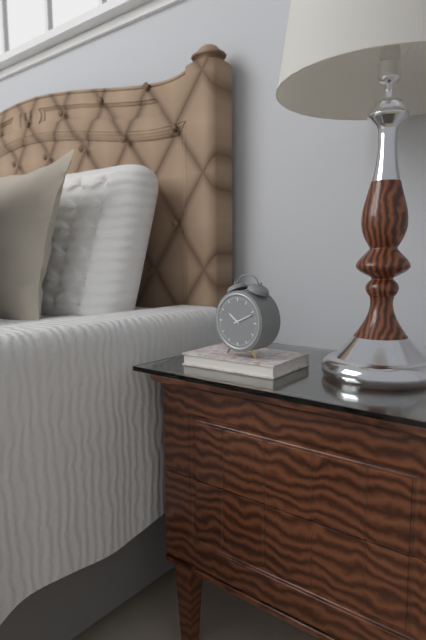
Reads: 10:11
